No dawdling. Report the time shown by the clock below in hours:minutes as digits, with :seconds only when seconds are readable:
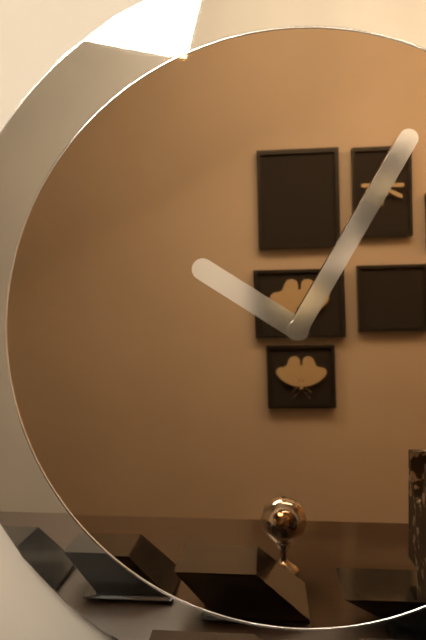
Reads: 10:05
